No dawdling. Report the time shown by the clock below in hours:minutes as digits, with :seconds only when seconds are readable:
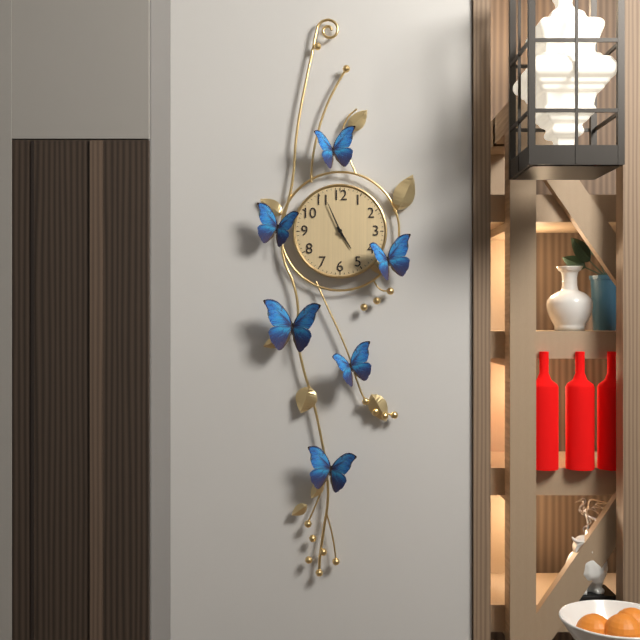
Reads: 4:56
